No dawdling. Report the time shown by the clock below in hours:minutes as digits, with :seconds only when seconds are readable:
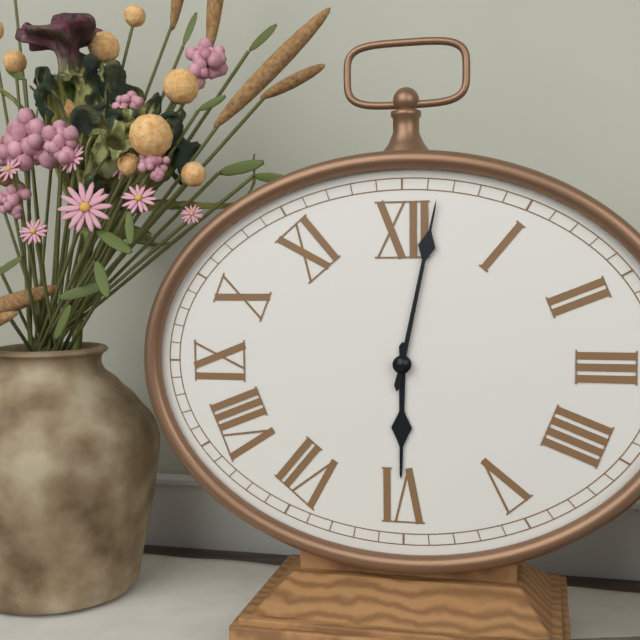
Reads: 6:02
